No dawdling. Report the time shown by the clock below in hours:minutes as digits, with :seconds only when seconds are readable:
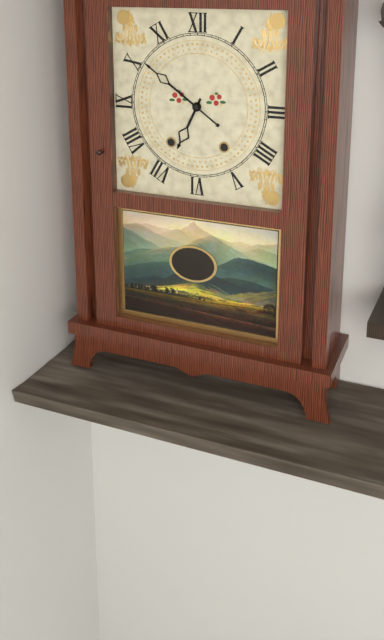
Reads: 6:51
